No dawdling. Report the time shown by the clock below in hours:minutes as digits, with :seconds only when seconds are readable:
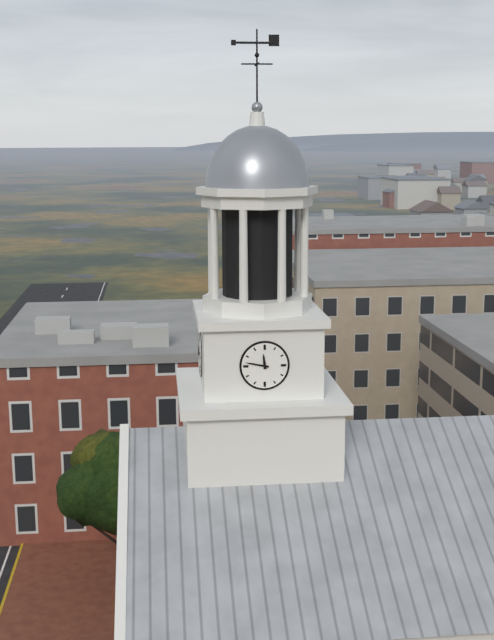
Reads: 11:47
